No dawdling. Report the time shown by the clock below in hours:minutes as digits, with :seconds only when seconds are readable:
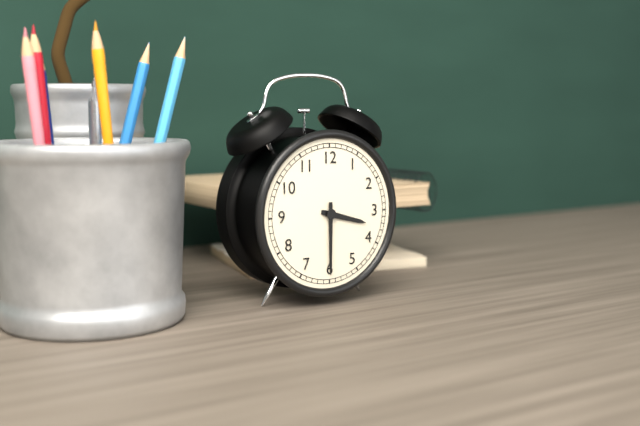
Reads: 3:30
